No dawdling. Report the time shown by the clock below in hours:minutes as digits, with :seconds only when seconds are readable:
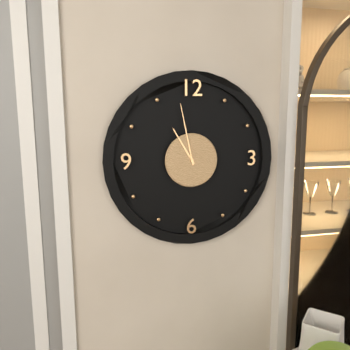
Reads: 10:58
